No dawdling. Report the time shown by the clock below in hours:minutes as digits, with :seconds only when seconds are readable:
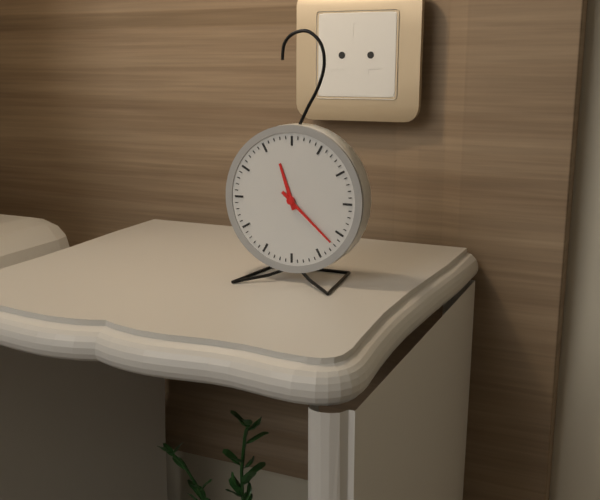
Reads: 11:22
